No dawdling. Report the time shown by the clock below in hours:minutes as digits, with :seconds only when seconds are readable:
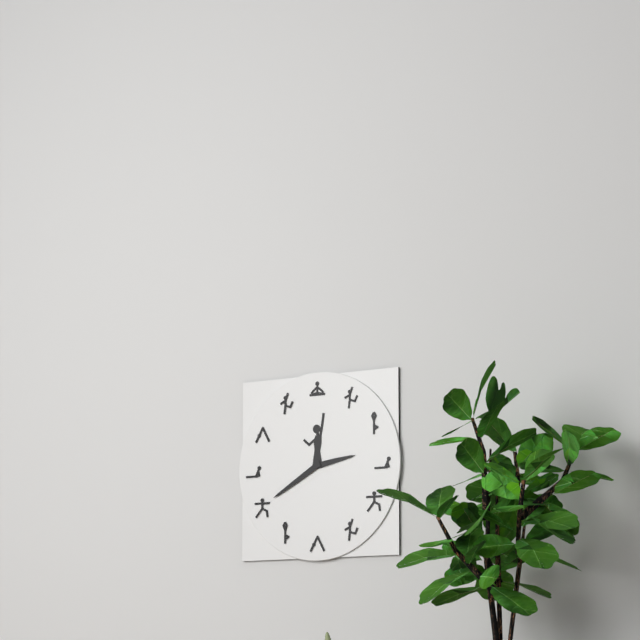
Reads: 2:40
